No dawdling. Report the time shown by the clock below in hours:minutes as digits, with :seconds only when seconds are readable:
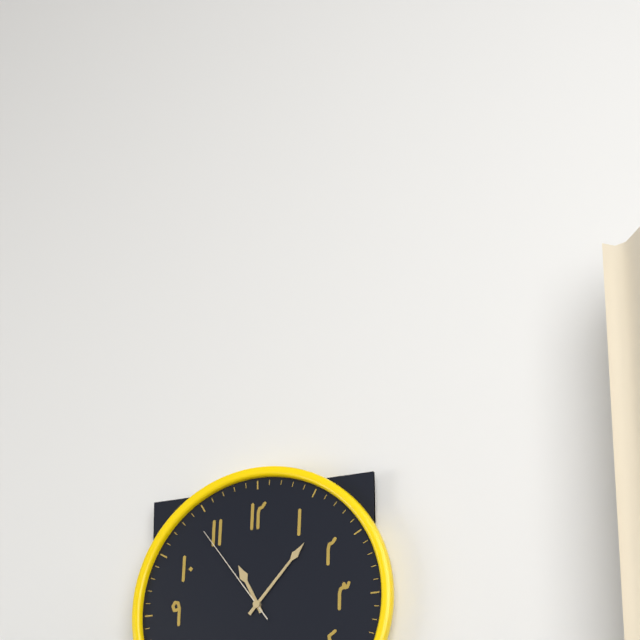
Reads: 11:07:54
